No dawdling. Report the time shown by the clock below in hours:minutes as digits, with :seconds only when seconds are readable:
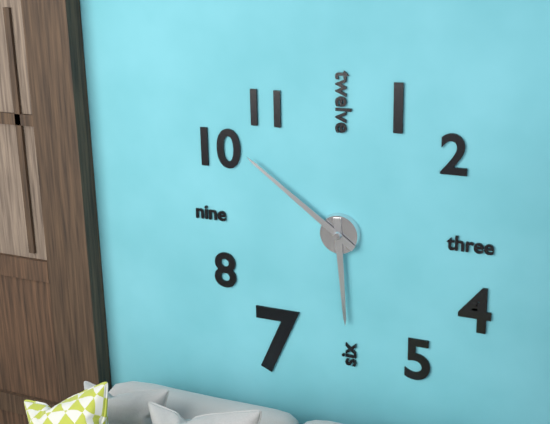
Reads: 5:51
